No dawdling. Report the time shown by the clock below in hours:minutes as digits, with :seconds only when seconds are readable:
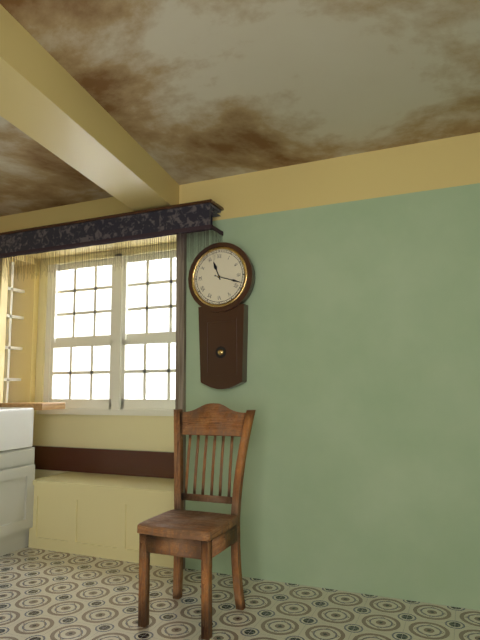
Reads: 11:18
